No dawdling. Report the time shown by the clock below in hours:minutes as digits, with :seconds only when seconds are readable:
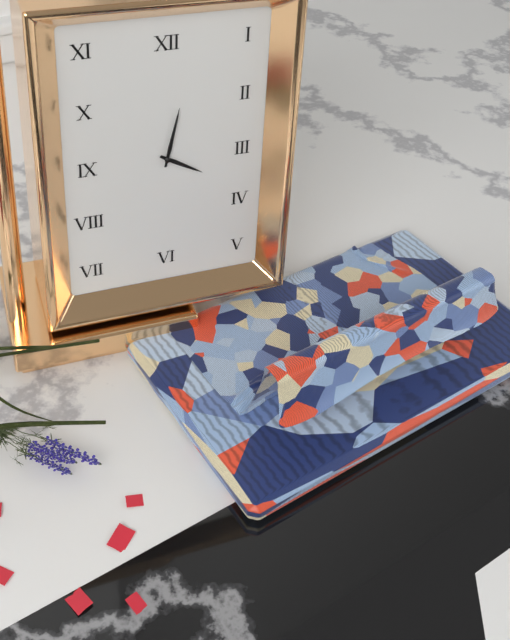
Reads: 4:02
